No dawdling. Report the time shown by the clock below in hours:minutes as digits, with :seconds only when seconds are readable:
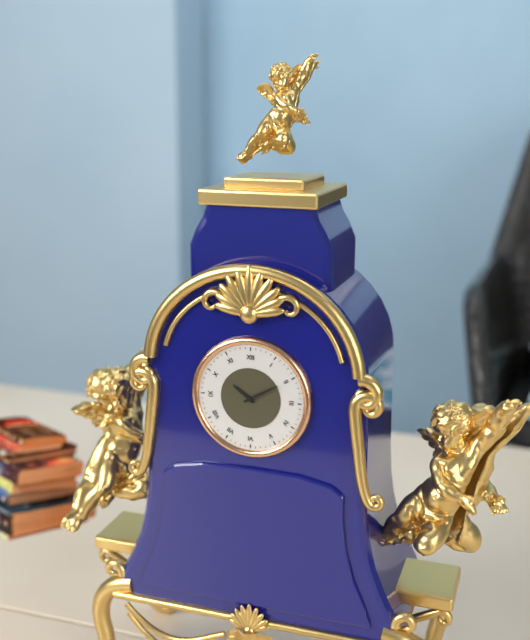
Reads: 10:10
